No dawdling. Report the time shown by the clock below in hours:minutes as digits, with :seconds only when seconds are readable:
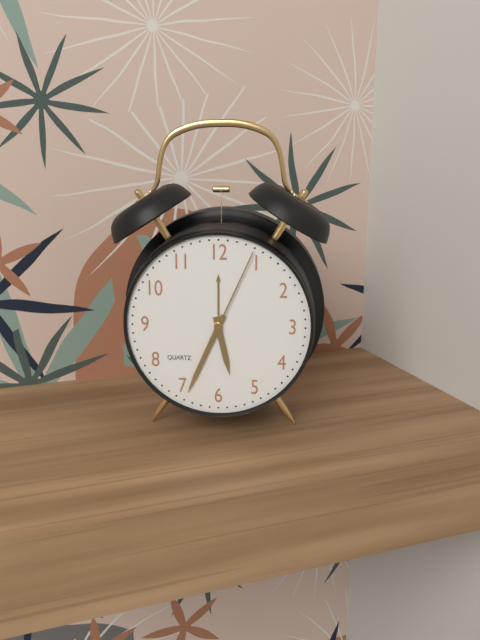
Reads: 5:34:04
